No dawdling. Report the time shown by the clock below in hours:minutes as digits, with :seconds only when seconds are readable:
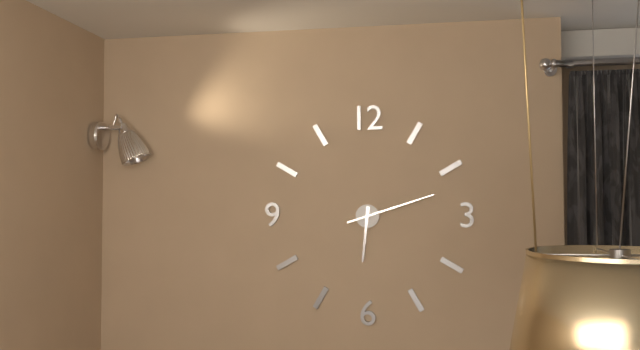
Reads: 6:12
